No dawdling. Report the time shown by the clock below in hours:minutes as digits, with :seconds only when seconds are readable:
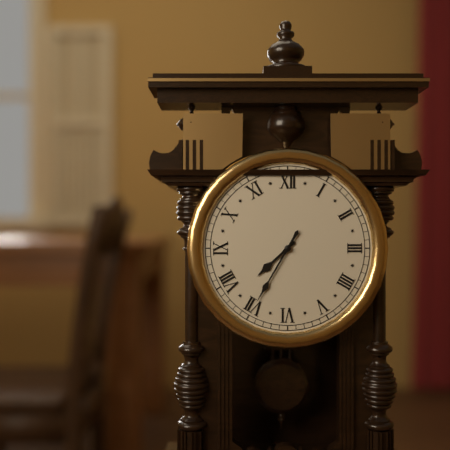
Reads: 7:35
